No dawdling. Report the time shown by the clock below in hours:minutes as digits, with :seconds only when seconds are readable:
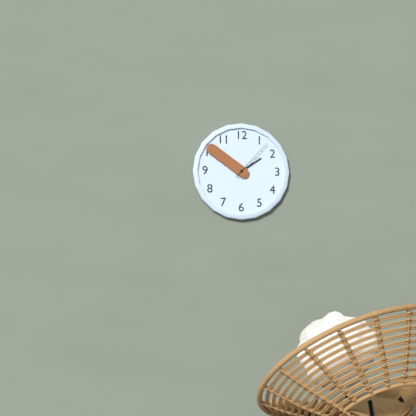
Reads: 1:51
